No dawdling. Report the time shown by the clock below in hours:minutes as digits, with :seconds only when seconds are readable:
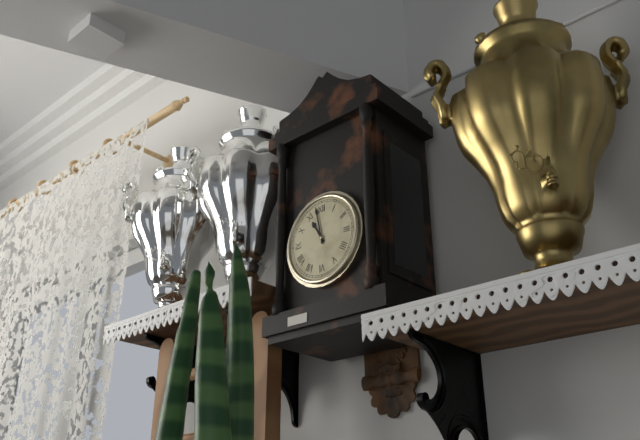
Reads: 10:58
